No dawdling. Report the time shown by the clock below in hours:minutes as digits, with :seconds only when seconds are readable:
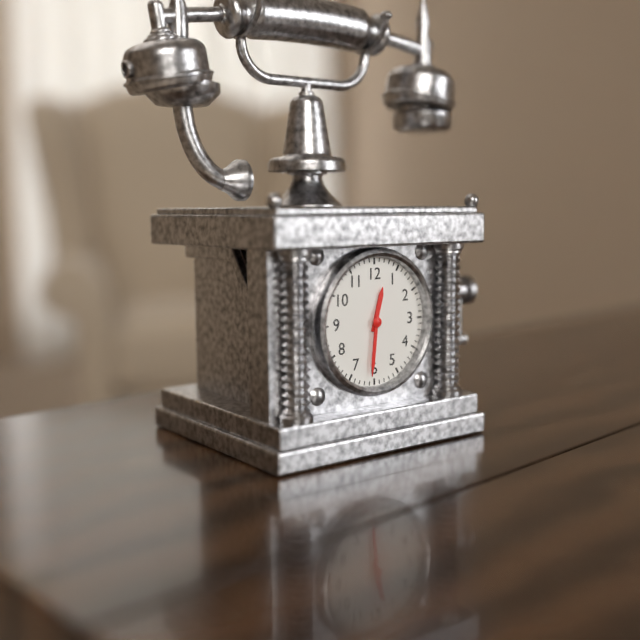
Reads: 12:31
